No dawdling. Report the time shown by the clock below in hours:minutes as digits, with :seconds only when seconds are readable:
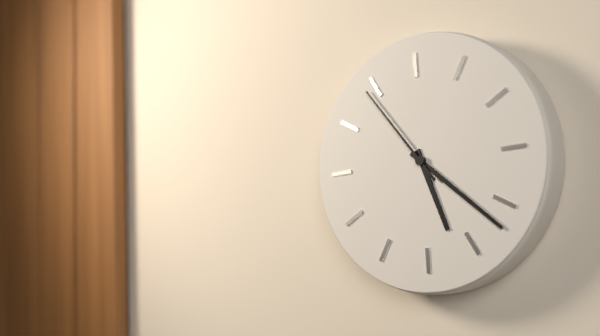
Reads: 5:22:54
